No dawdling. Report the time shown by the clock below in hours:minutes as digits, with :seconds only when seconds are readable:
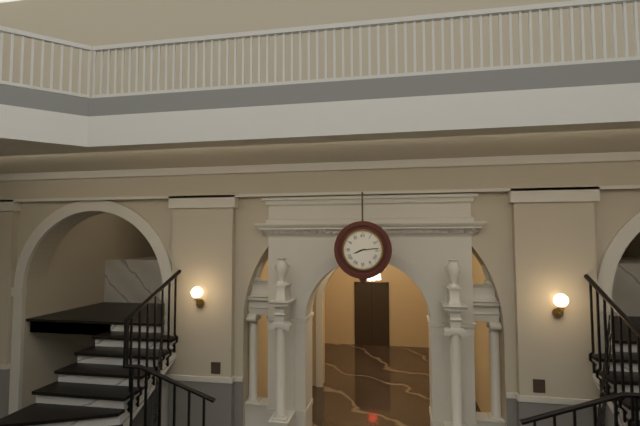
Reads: 8:14
